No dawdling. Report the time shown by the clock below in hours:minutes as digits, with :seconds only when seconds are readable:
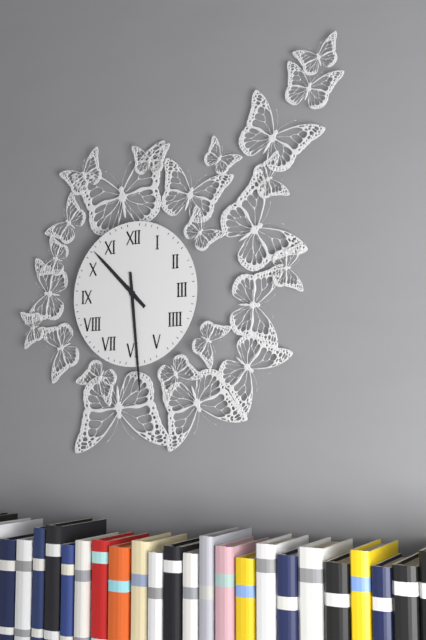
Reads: 10:29
